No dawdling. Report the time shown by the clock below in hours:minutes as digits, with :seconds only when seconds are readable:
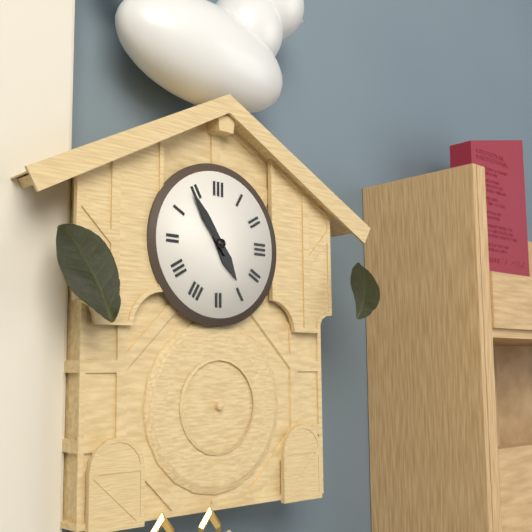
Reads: 4:54
